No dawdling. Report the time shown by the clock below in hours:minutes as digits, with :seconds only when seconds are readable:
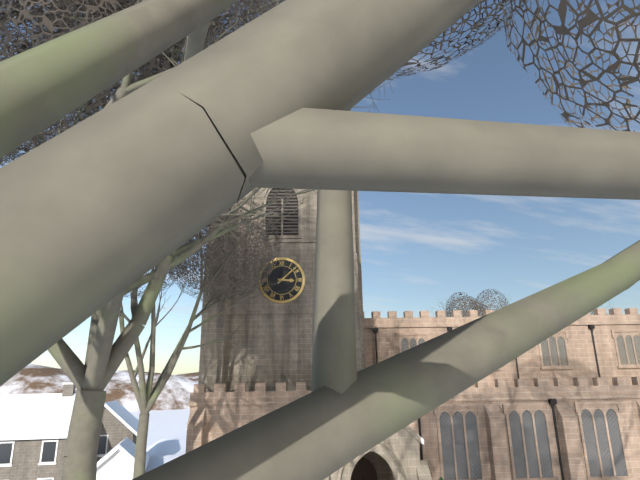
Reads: 3:08
